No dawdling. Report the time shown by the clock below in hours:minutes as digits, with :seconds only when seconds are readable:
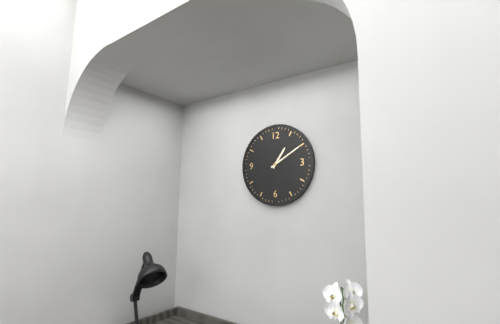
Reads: 1:10
